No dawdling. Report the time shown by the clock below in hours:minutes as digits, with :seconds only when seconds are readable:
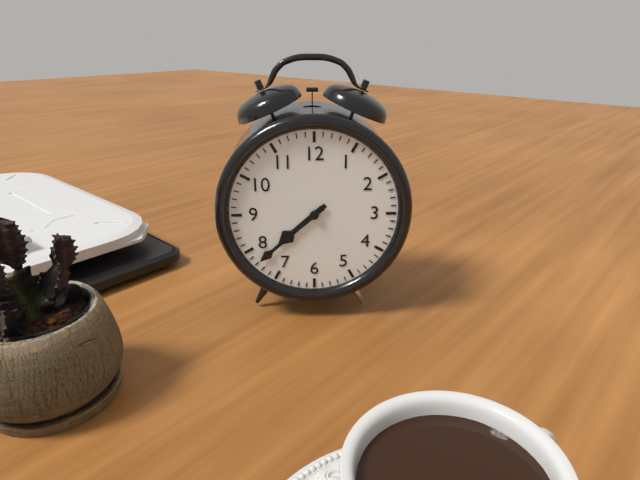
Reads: 7:38
